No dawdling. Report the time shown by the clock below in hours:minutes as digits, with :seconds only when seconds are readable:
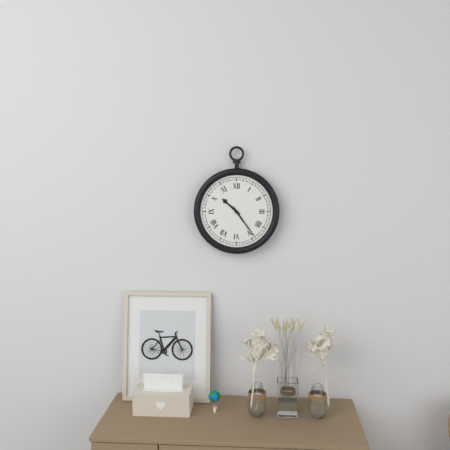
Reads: 10:24
